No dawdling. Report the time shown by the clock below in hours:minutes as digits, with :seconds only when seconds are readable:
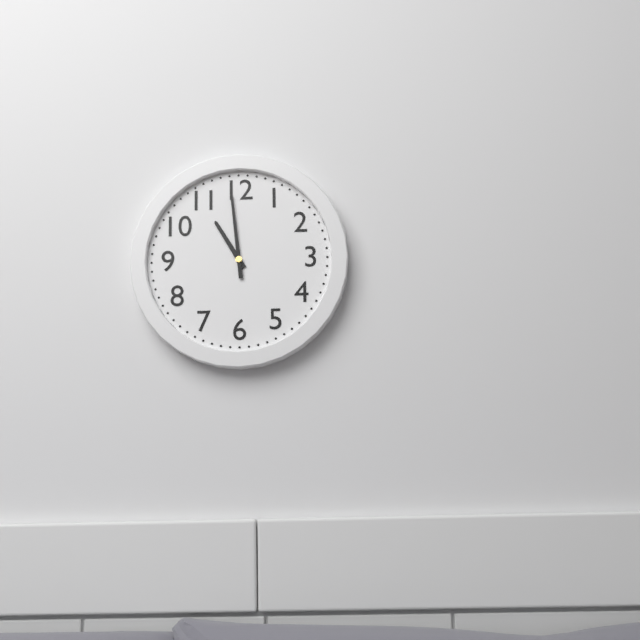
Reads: 10:59
